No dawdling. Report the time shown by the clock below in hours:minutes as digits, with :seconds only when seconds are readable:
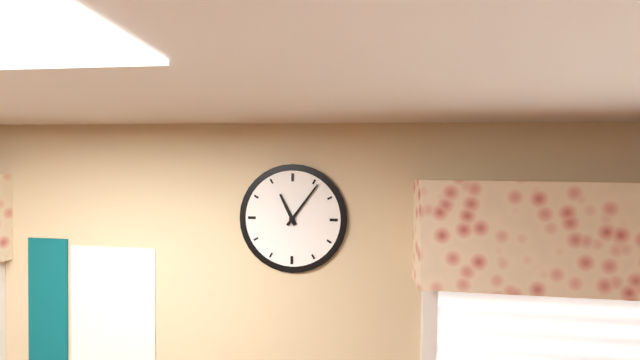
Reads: 11:06
